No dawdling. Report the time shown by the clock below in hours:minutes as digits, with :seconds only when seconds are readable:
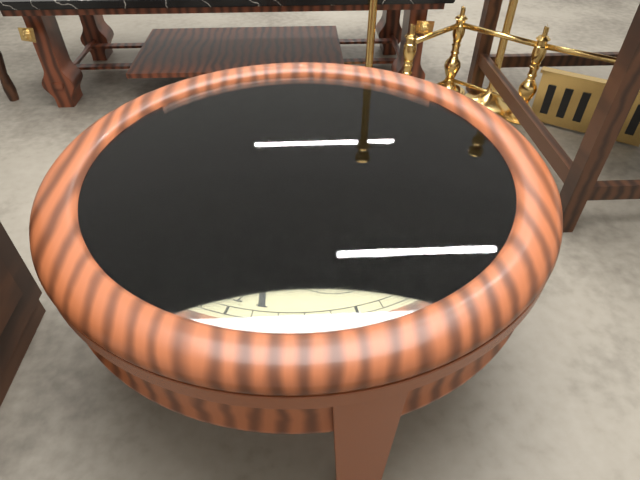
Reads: 7:12:12
